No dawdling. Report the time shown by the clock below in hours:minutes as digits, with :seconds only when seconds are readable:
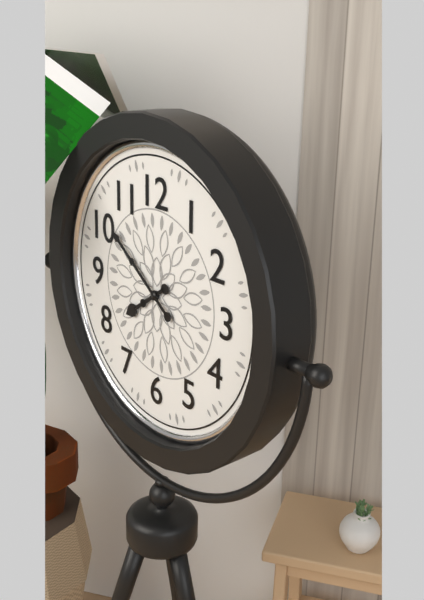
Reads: 7:51
